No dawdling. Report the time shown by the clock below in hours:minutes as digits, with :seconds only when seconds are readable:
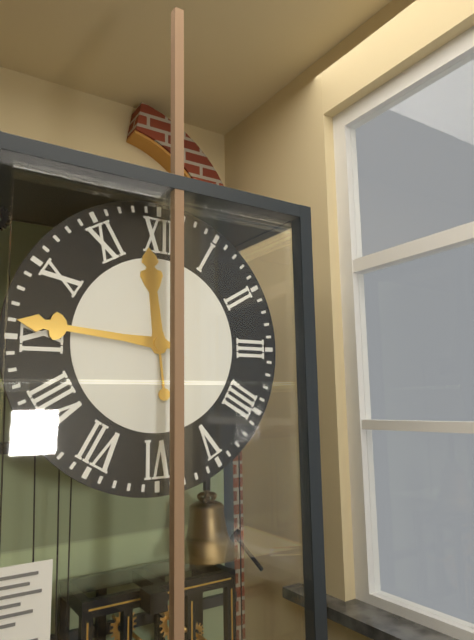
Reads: 11:46
